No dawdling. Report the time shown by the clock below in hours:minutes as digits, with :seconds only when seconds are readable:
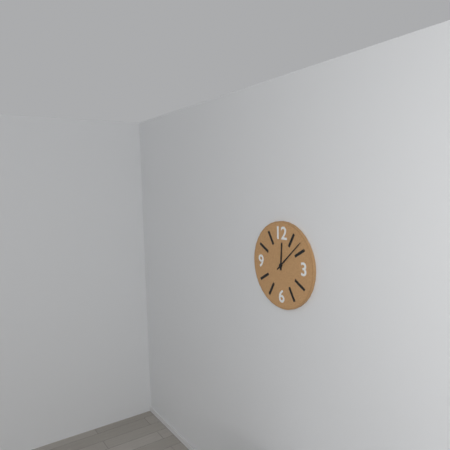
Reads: 12:08
